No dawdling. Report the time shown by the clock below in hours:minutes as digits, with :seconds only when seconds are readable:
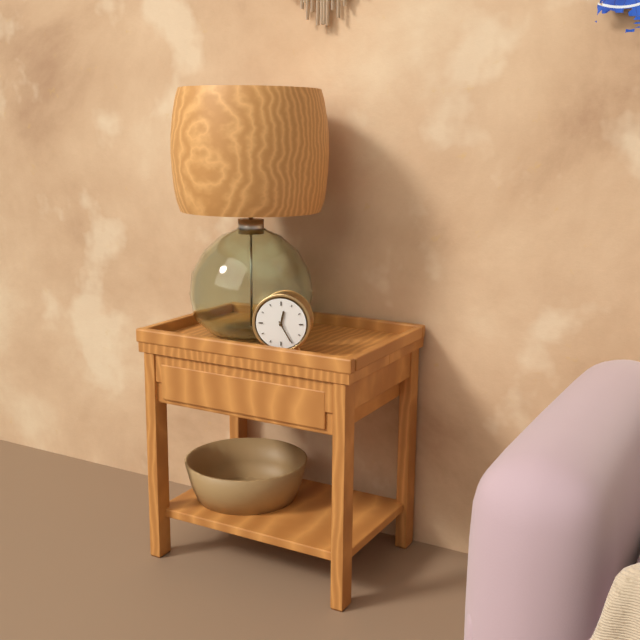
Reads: 12:25
